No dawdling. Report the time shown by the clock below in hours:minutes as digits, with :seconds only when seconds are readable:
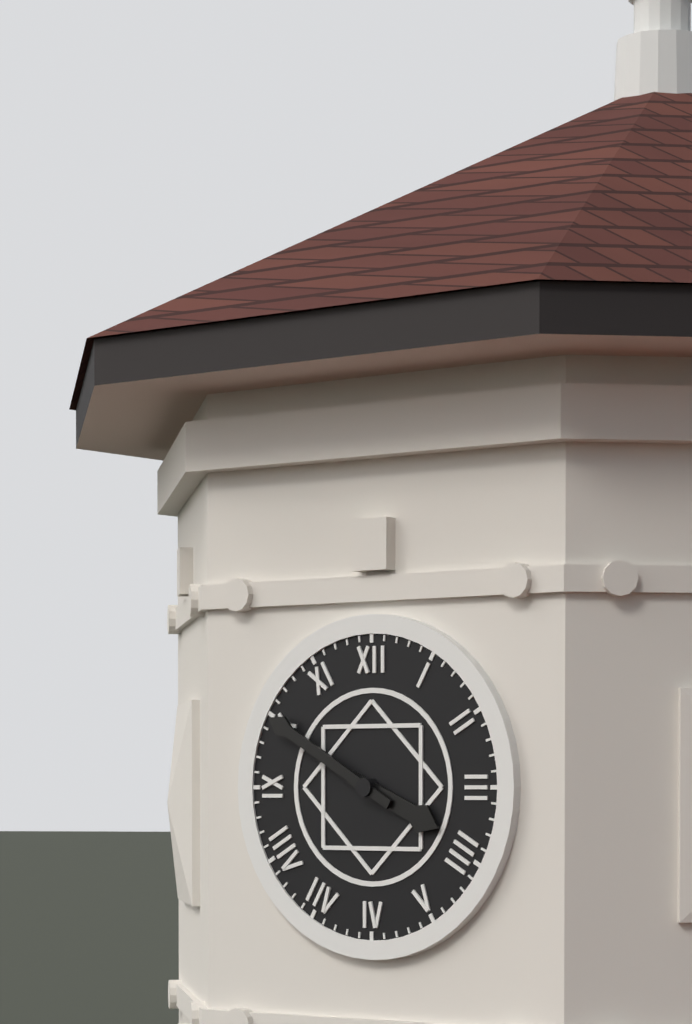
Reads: 3:50
